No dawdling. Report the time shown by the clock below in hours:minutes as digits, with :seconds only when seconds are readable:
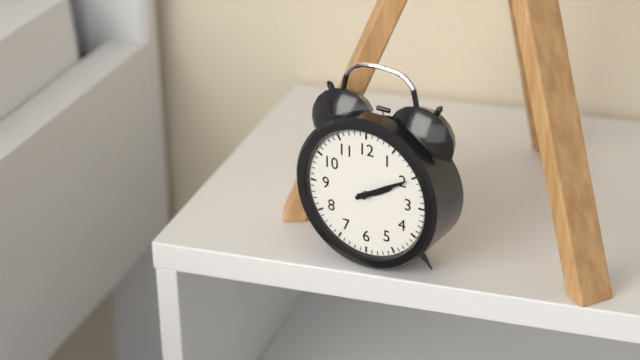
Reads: 2:10
